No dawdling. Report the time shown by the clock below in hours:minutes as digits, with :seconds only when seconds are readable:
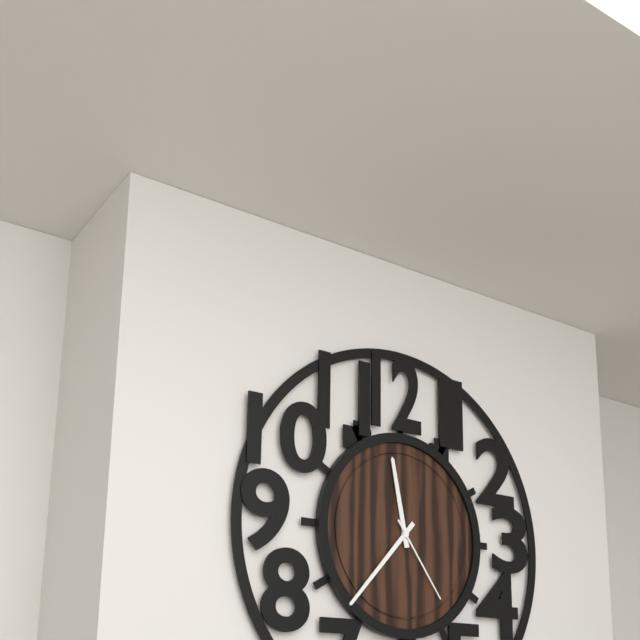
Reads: 11:37:24
